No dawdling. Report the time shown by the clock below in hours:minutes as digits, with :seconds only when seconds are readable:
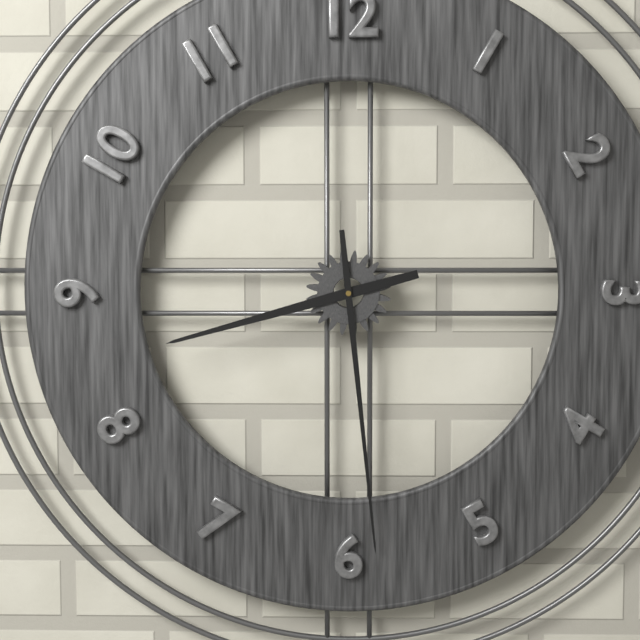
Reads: 8:29
